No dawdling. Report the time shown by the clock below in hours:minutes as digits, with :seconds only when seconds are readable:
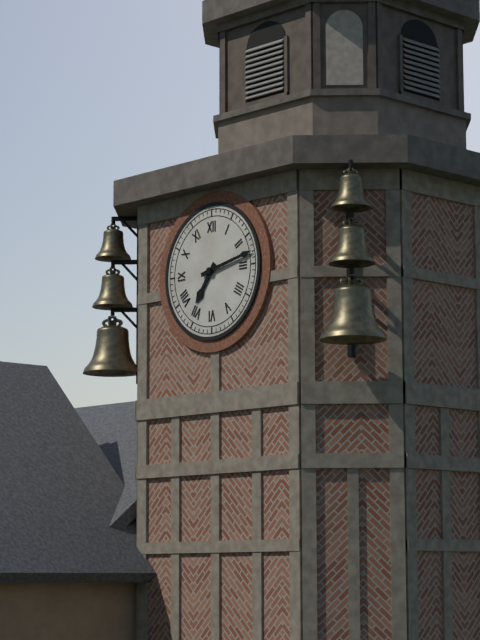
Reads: 7:13
